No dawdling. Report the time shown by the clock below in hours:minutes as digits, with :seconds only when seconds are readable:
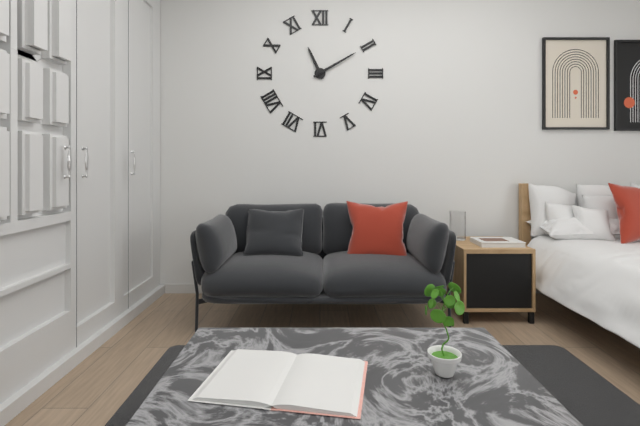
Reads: 11:10
